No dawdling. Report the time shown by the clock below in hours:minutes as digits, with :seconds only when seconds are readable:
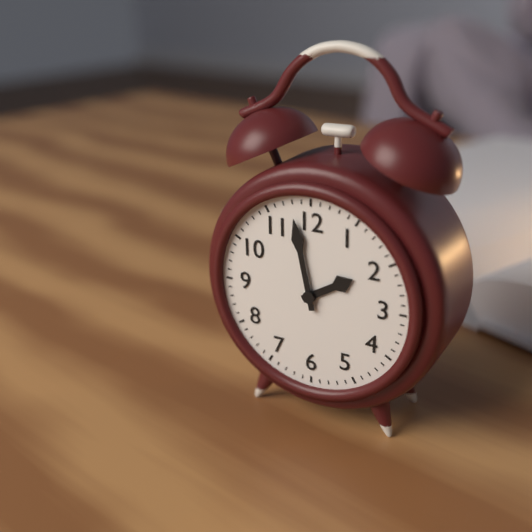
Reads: 1:58
